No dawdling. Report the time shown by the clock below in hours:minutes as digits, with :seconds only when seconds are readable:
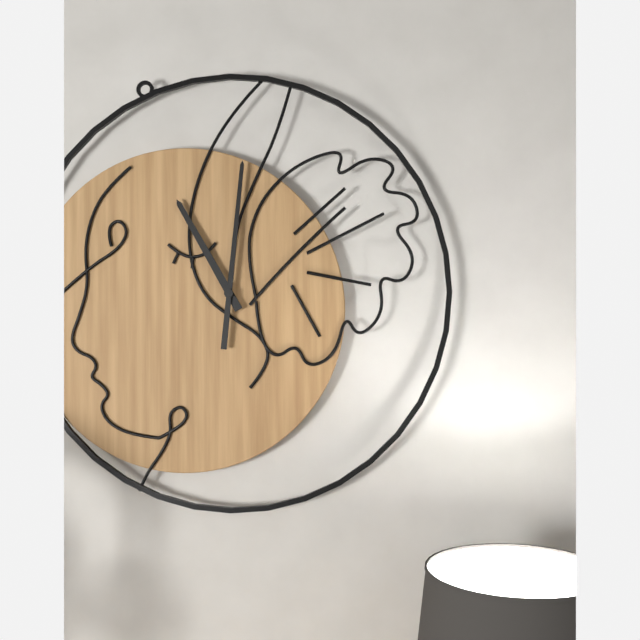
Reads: 11:01
